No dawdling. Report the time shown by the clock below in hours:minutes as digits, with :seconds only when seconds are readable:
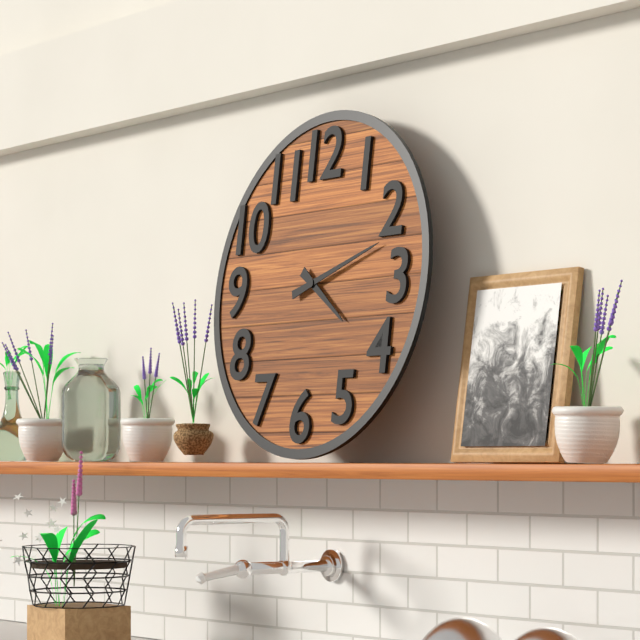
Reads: 4:12
